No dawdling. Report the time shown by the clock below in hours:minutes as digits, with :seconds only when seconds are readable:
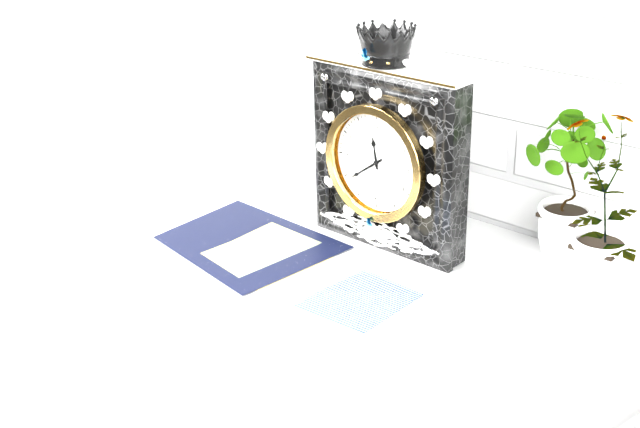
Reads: 11:39
